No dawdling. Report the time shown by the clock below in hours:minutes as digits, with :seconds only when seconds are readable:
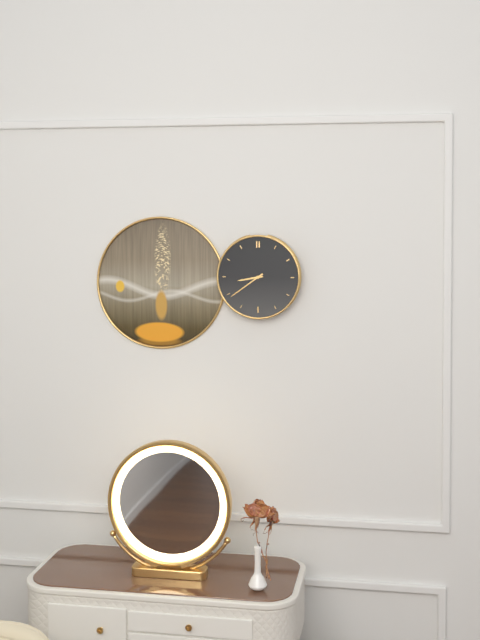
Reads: 8:39
